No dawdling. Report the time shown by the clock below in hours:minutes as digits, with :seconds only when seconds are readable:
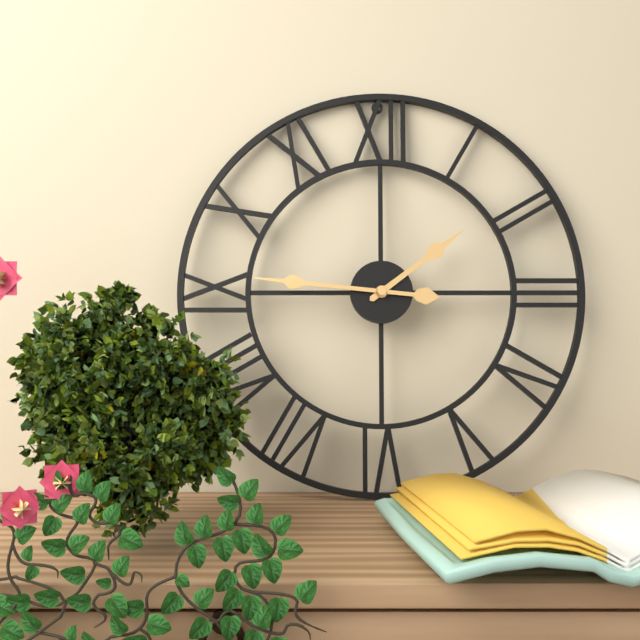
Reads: 1:46
